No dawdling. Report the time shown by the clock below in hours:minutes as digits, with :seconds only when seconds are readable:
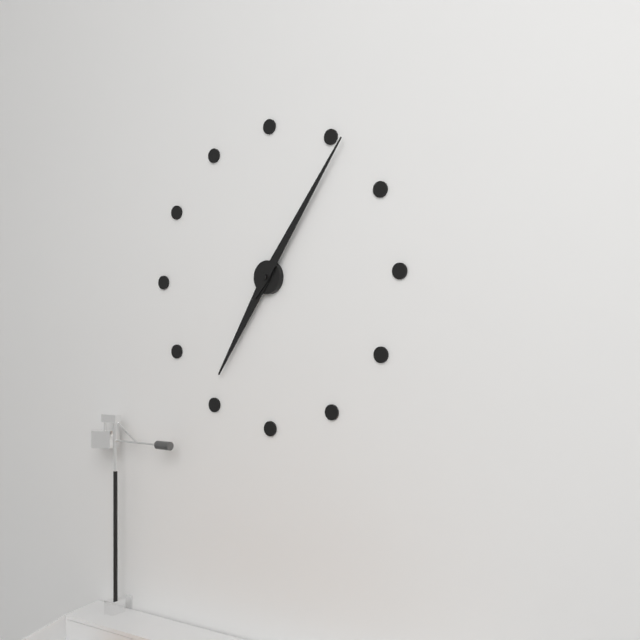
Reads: 7:06
